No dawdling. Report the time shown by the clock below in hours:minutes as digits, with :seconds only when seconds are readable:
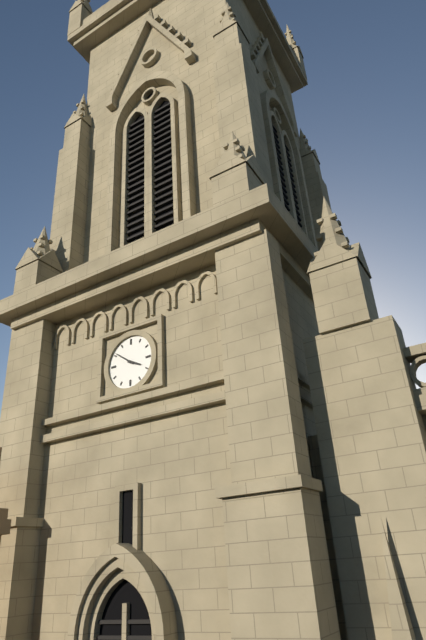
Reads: 3:51
